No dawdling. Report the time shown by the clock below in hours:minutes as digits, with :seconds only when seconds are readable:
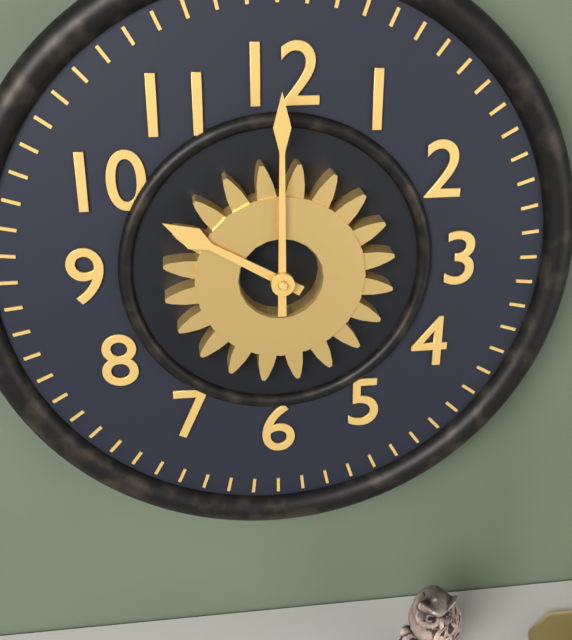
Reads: 10:00
